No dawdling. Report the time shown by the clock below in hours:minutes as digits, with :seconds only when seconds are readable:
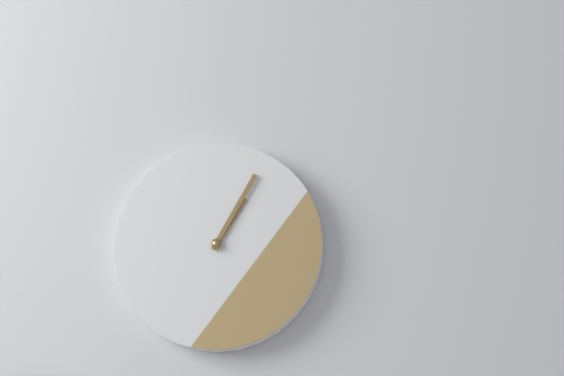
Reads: 1:05
